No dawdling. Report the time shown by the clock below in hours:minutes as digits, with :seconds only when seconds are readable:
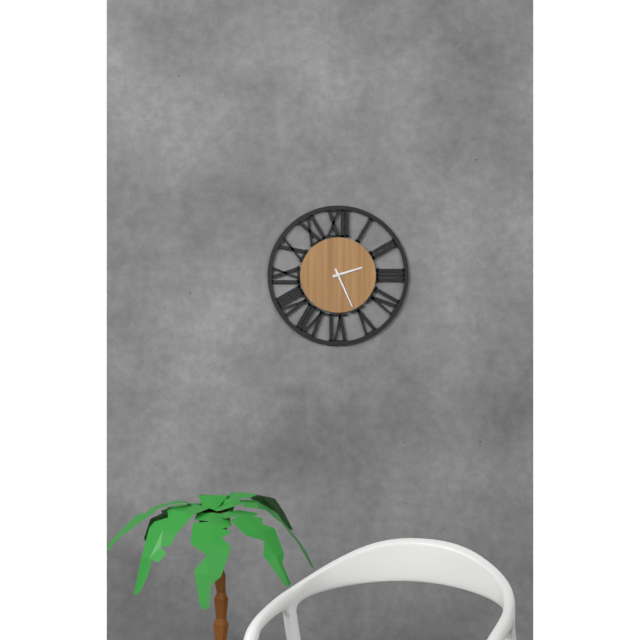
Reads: 2:26
